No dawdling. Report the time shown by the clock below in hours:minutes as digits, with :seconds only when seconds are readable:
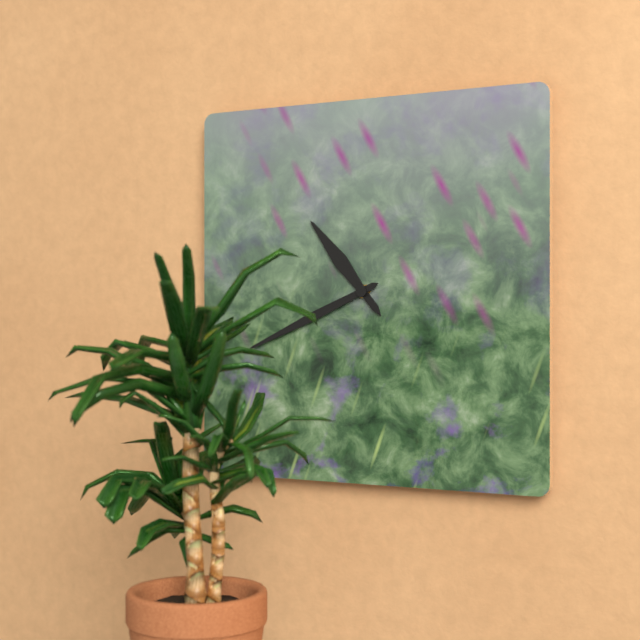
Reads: 10:41
